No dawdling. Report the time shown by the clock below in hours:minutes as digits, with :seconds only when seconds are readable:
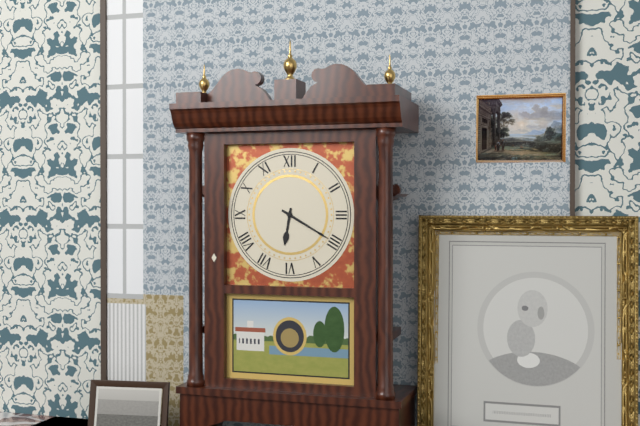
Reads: 6:20
